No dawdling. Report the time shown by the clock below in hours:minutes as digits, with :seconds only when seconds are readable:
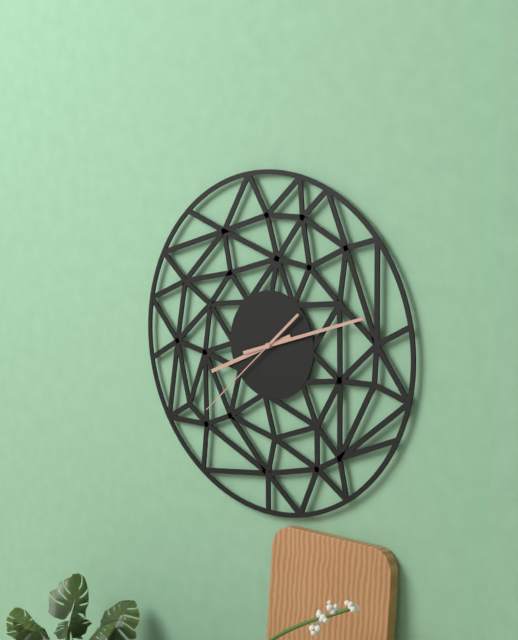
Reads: 8:12:38
